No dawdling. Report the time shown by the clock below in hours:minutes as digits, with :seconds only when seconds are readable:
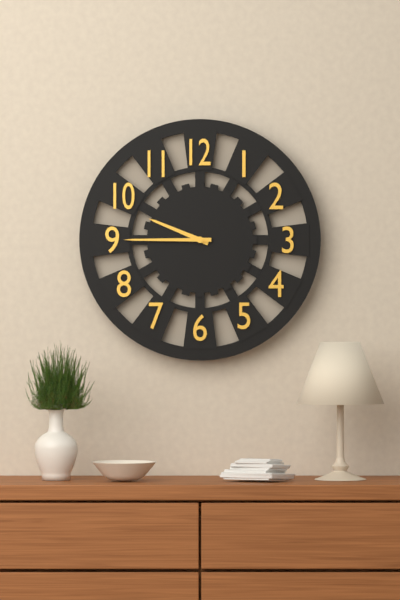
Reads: 9:45
